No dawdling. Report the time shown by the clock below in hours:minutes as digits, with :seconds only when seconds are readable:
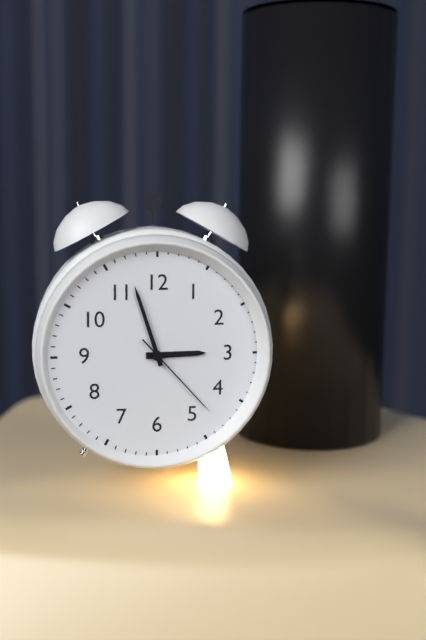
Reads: 2:57:23
